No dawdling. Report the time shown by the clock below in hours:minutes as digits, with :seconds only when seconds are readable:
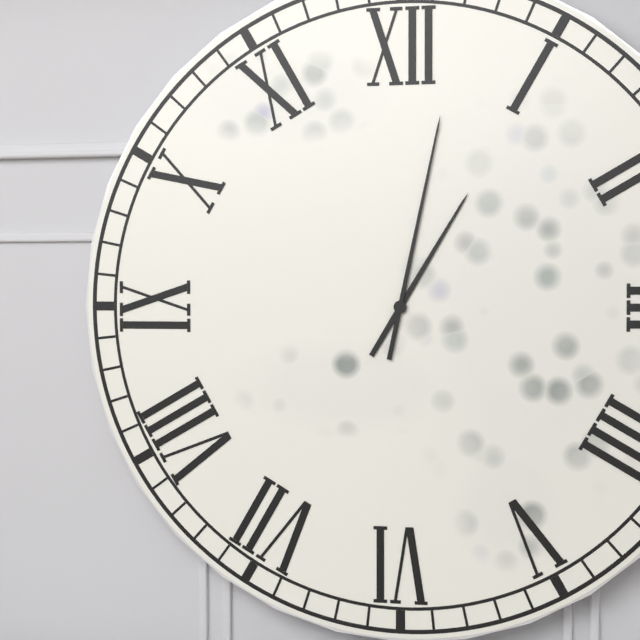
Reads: 1:02
